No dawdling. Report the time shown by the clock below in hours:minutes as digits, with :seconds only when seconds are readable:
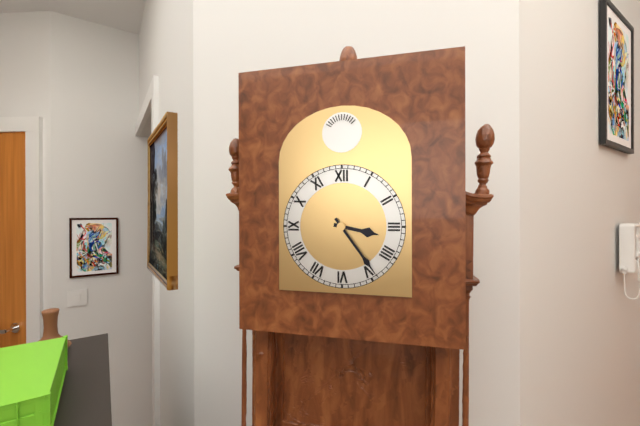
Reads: 3:24
